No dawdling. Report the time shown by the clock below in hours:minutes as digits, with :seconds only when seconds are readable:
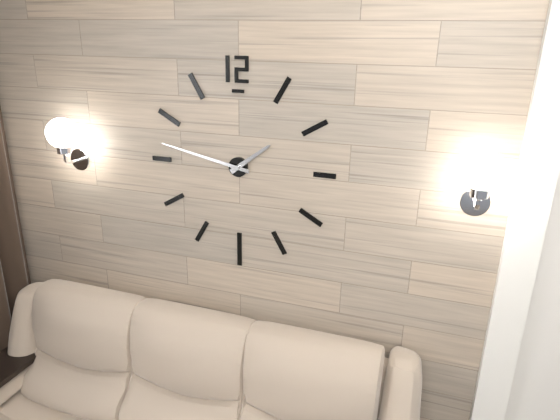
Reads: 1:47
